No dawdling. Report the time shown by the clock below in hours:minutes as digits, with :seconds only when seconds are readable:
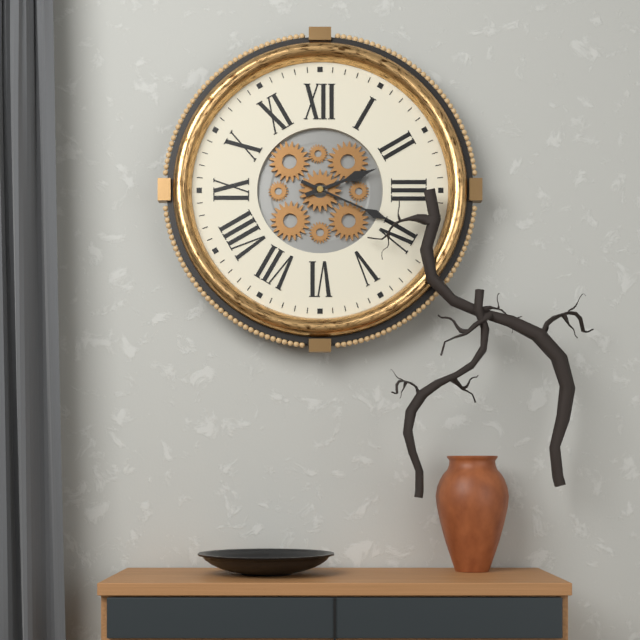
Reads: 2:19
